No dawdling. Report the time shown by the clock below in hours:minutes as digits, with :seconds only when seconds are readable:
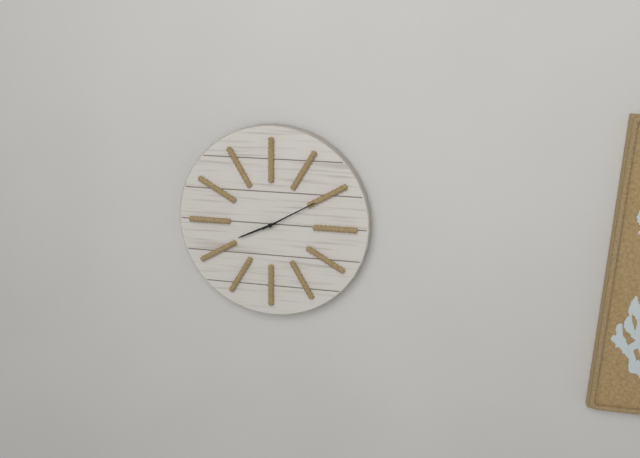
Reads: 8:10
